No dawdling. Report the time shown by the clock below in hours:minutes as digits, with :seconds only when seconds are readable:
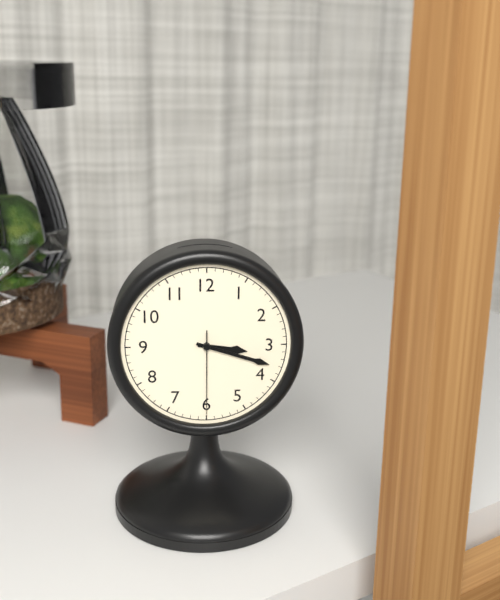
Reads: 3:18:30
